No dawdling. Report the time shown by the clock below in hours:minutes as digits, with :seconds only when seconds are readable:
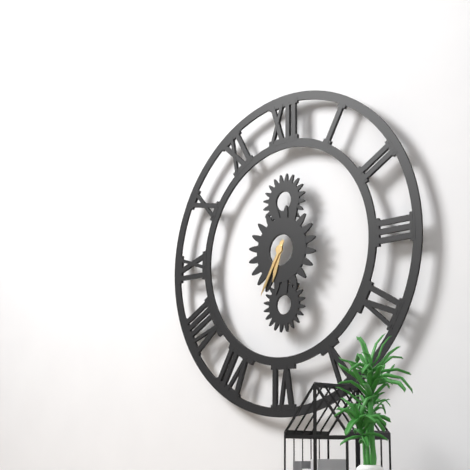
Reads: 6:35
